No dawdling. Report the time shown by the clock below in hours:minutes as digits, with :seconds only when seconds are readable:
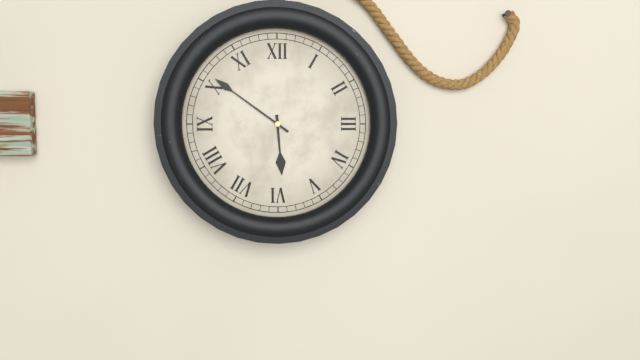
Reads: 5:51
